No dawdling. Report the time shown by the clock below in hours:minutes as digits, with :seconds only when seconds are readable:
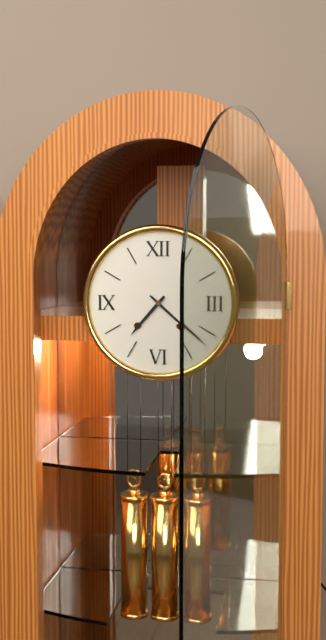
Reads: 7:22
